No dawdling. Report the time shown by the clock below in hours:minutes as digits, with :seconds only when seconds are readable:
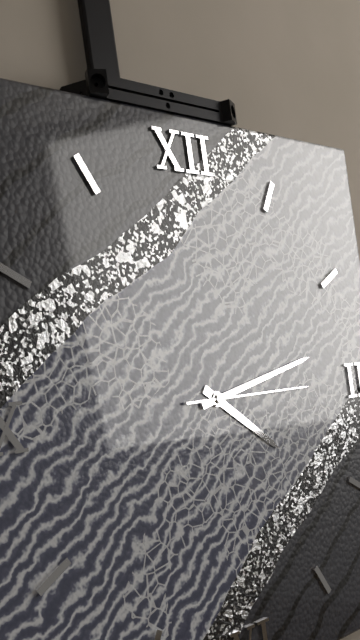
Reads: 4:13:15
